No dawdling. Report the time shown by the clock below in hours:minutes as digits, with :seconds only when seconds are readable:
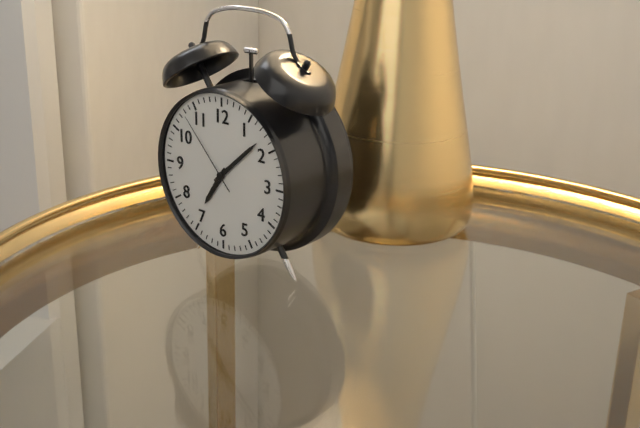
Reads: 7:08:53
